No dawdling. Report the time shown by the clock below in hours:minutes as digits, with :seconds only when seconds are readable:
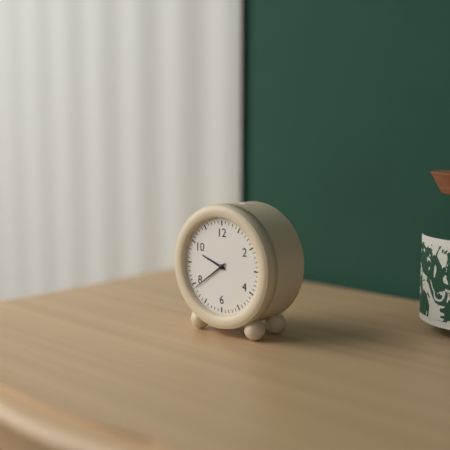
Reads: 9:39
